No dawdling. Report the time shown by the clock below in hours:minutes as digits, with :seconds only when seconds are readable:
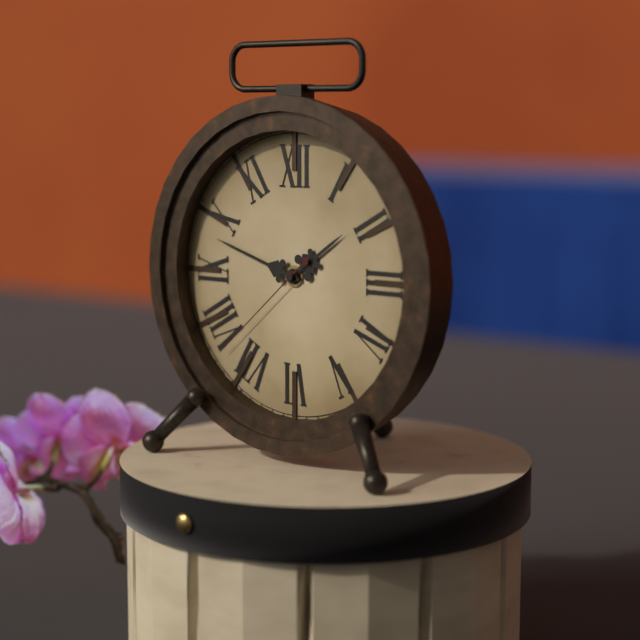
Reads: 1:48:38
